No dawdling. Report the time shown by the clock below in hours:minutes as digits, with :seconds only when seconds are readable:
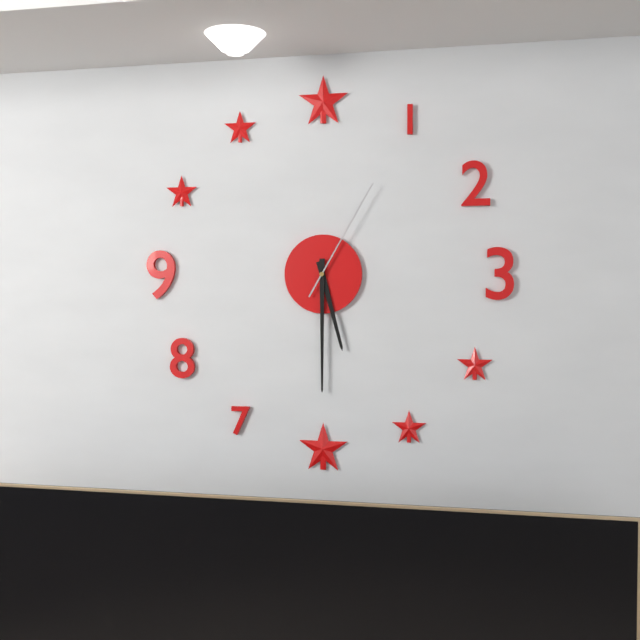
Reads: 5:30:05
